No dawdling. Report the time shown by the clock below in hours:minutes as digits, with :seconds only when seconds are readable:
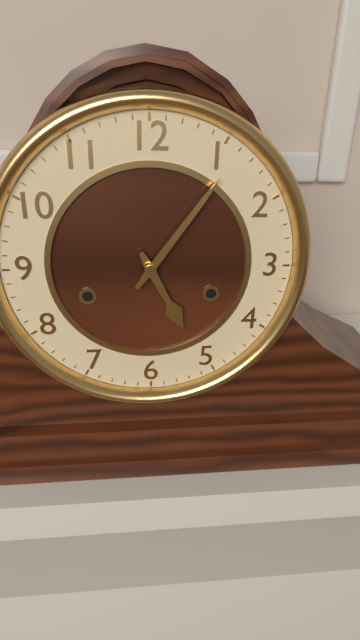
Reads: 5:06
